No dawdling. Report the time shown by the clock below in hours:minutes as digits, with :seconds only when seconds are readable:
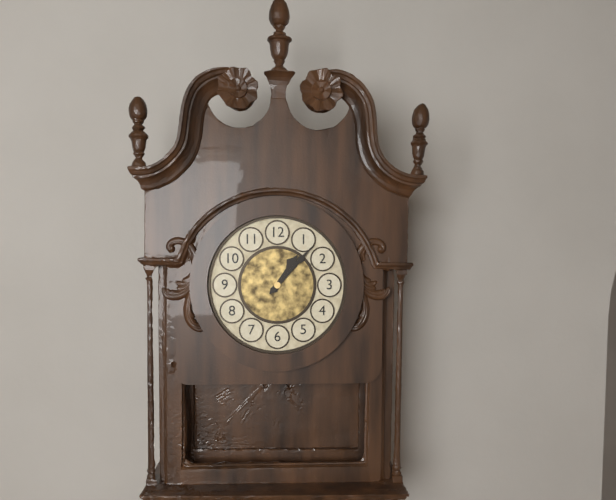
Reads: 1:07
